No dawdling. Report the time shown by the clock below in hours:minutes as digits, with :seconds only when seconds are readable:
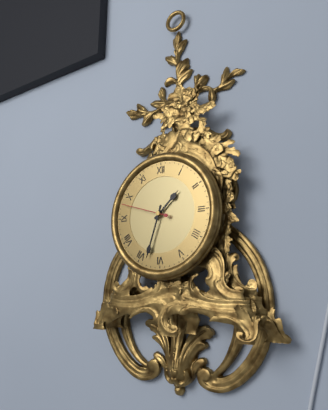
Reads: 1:33:48
